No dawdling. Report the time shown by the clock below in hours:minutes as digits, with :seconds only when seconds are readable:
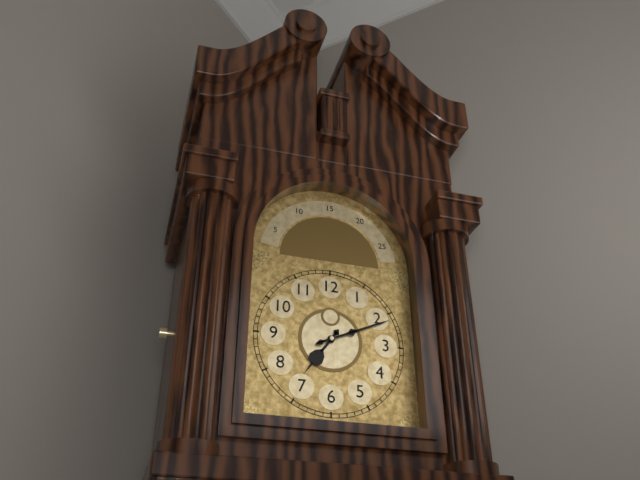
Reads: 7:11
